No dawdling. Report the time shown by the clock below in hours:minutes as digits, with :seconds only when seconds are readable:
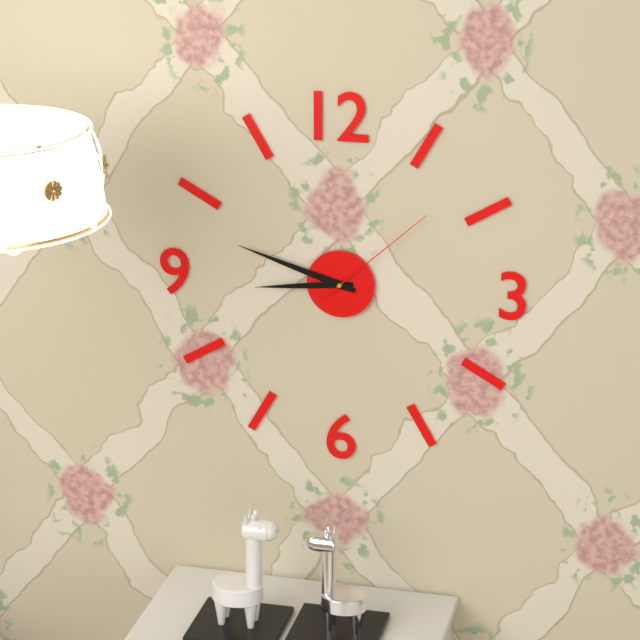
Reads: 8:48:08
